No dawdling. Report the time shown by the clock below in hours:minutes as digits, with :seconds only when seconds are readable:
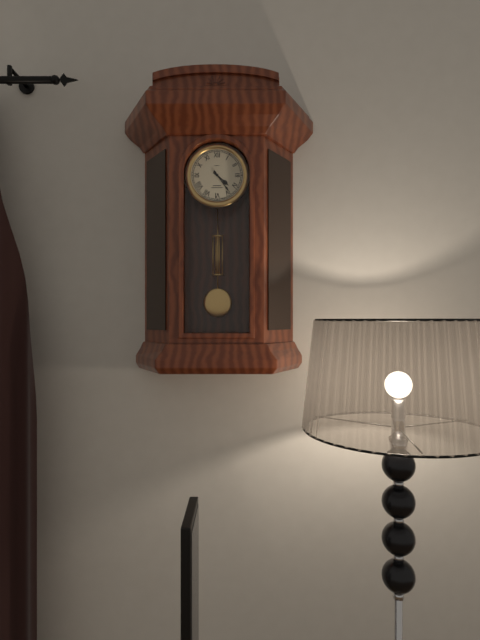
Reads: 4:24
